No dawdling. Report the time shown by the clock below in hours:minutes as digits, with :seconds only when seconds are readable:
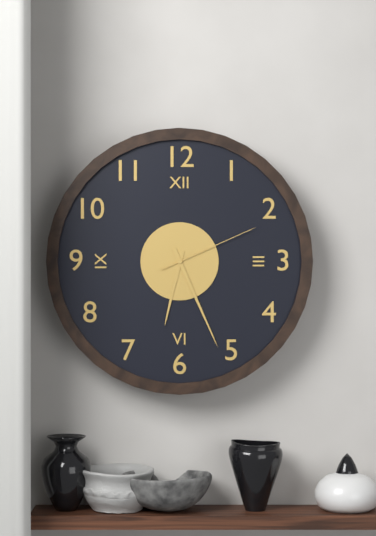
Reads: 6:26:11
